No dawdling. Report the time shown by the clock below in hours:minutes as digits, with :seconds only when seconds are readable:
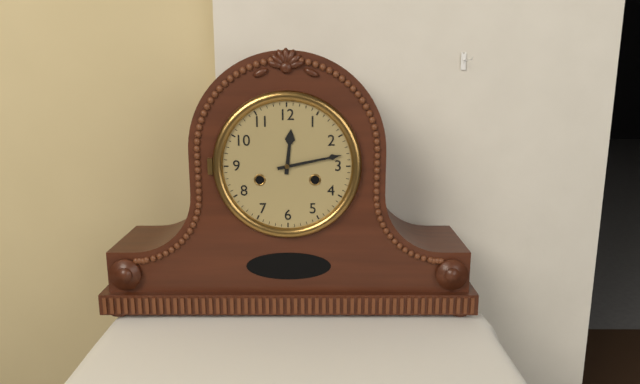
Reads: 12:13
